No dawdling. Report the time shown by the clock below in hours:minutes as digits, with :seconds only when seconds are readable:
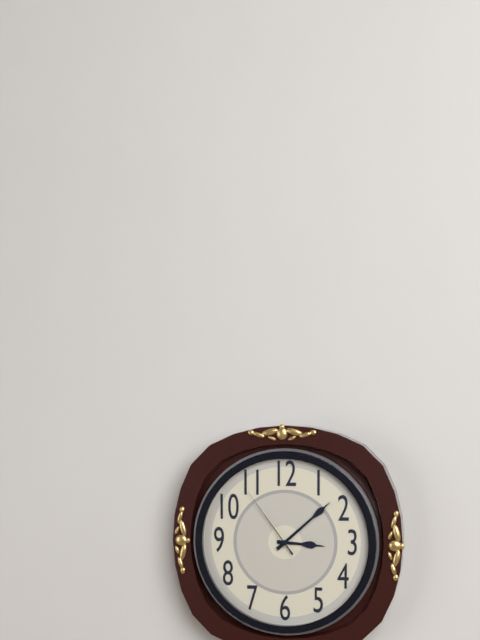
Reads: 3:08:54
